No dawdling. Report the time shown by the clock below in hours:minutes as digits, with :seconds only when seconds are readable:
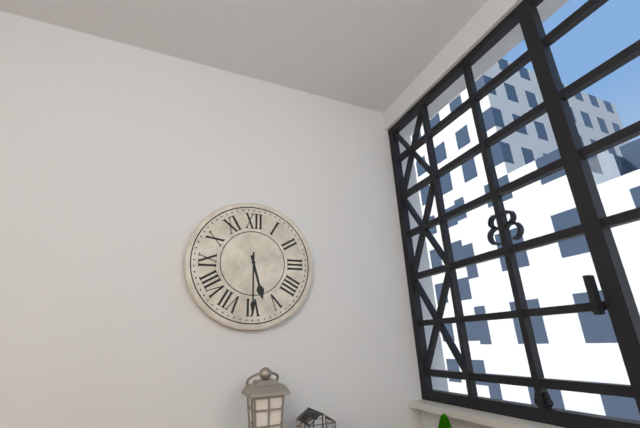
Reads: 5:30
